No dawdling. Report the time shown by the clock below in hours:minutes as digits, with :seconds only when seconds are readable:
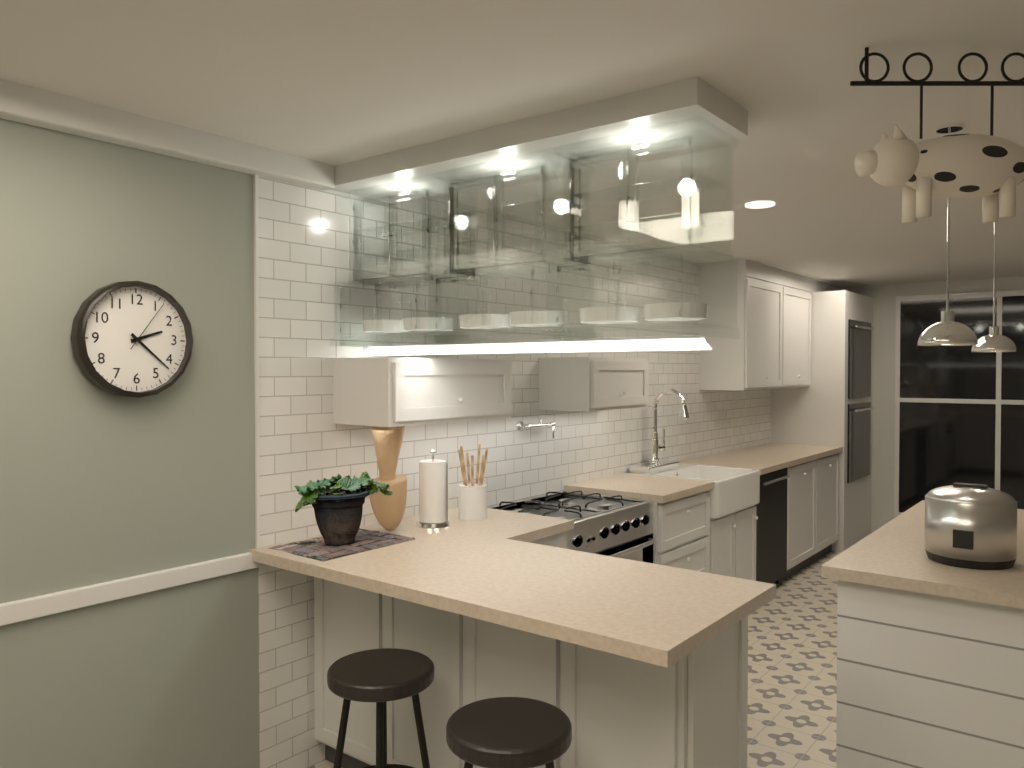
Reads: 2:22:06
